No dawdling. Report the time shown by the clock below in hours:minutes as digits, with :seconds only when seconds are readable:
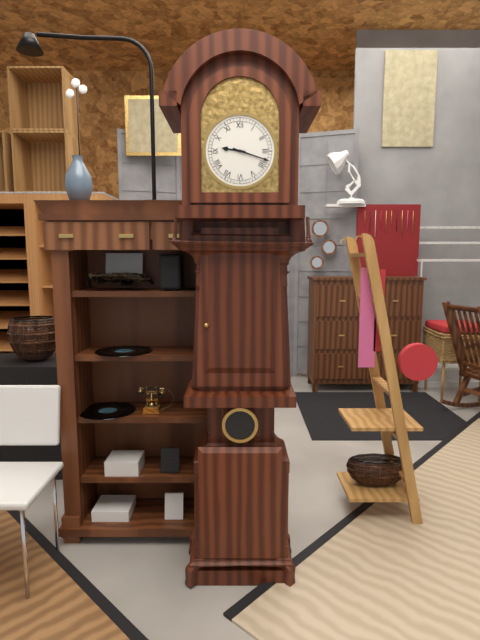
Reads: 9:18
